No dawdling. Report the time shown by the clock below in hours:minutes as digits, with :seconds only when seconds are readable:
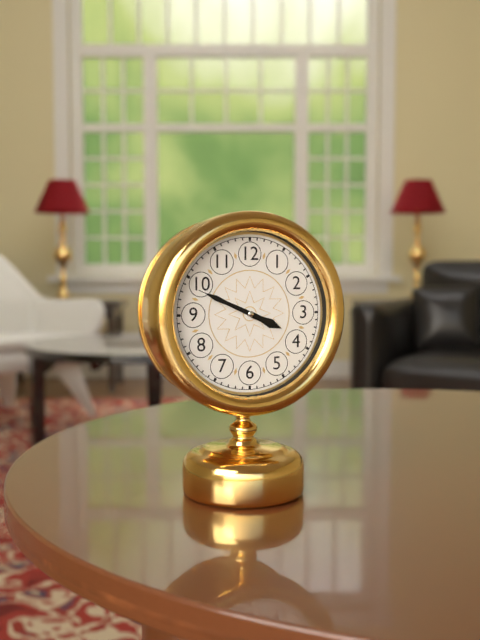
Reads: 3:49:49
